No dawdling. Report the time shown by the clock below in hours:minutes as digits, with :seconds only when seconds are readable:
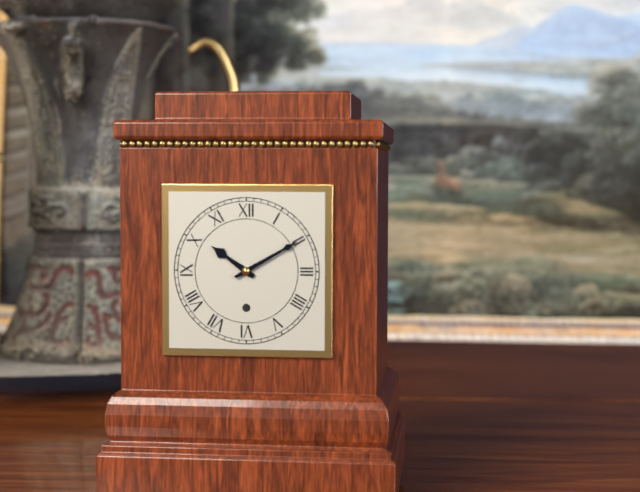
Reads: 10:10
